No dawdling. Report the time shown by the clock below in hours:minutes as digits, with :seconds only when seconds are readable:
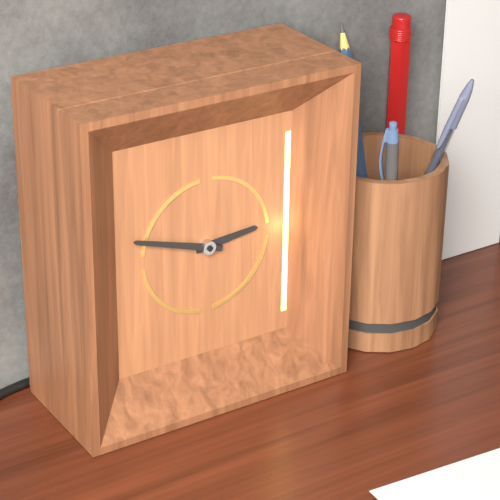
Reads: 2:48
